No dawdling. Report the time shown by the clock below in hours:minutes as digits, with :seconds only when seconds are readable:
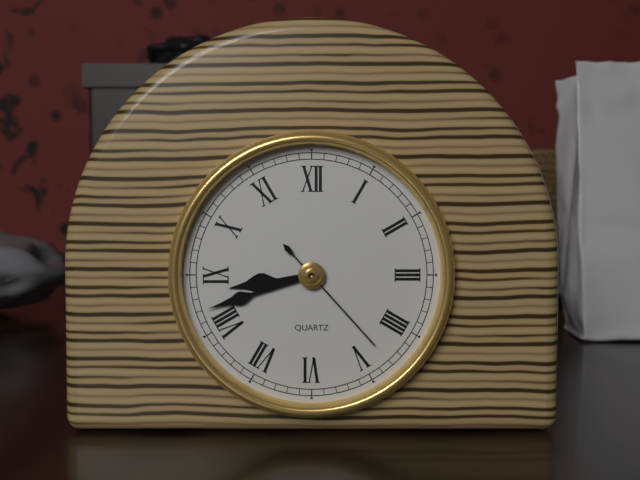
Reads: 8:42:23
